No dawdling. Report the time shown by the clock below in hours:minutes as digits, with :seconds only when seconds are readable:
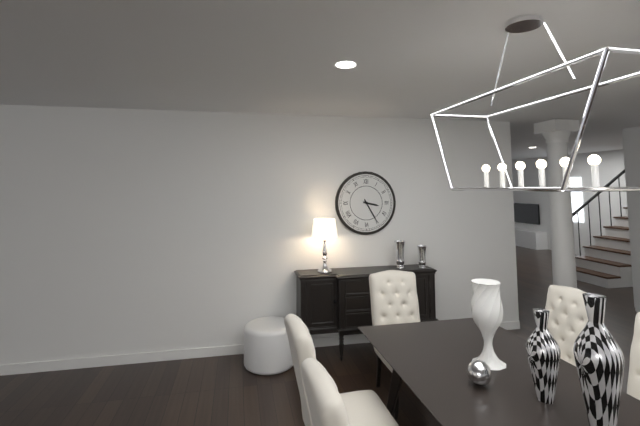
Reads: 3:25
